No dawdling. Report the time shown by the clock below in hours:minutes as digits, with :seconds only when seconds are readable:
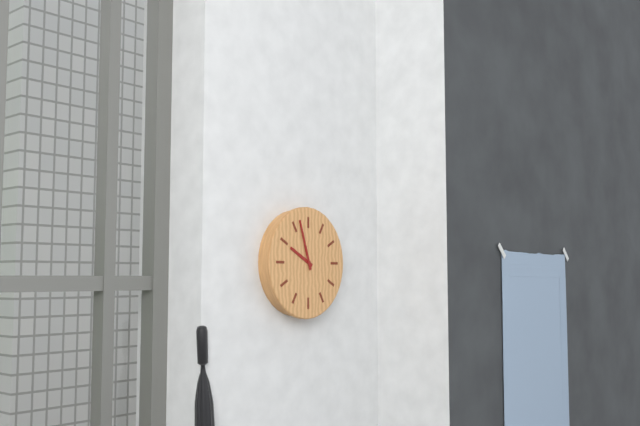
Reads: 9:57
